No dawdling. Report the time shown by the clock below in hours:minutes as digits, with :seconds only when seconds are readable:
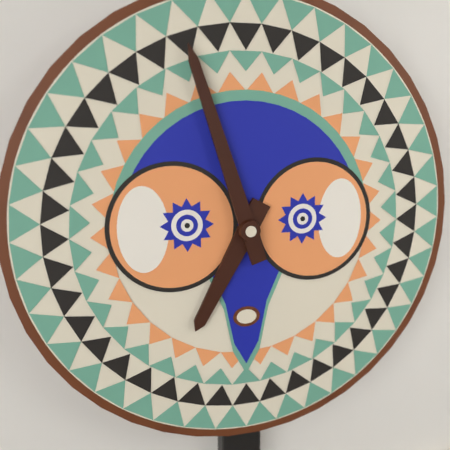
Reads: 6:57
